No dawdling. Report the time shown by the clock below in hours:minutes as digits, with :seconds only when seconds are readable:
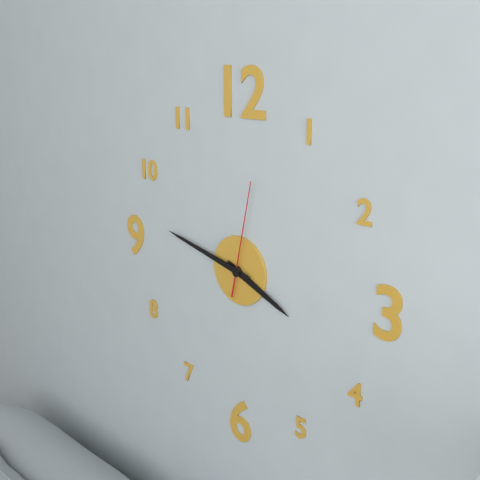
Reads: 3:47:02
